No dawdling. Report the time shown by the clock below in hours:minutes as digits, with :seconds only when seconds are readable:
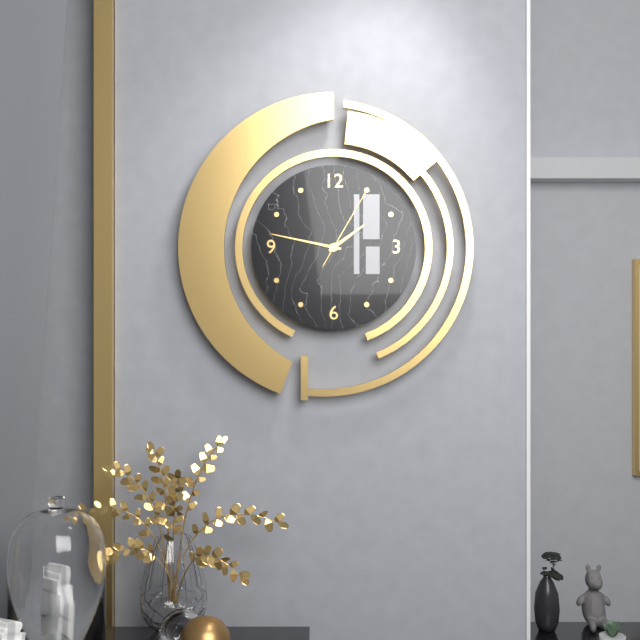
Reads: 1:47:05
